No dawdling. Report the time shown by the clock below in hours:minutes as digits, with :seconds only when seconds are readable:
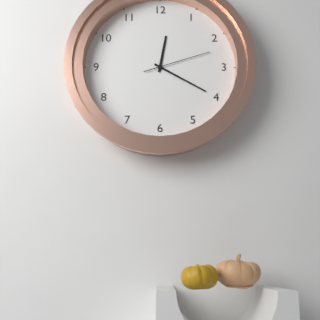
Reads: 12:20:12
